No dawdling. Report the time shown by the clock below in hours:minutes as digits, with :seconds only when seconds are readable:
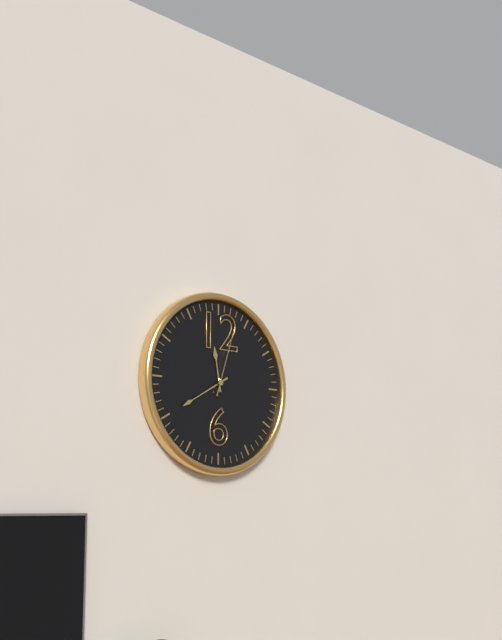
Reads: 11:40:03
